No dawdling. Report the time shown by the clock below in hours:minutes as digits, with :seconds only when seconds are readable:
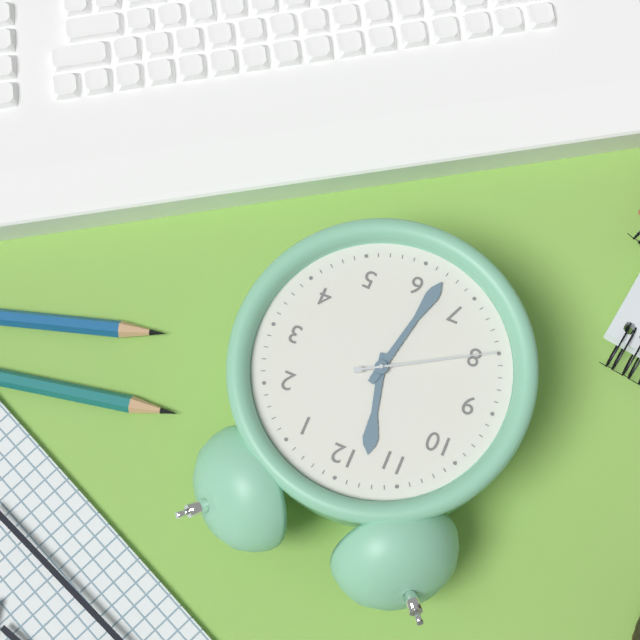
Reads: 11:32:40
